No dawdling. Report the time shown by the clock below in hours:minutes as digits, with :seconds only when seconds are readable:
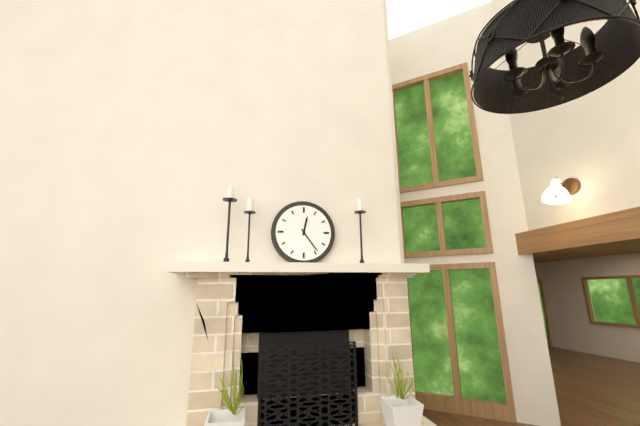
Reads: 12:24
